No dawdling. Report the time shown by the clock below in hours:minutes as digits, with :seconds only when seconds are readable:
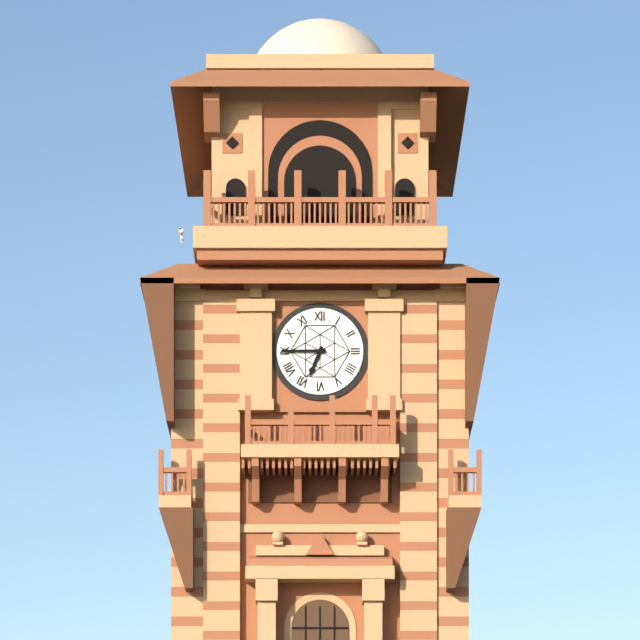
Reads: 6:45
